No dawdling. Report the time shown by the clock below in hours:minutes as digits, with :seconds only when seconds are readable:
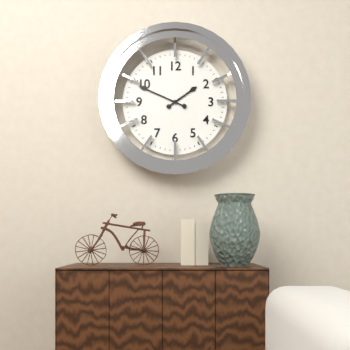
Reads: 1:49
